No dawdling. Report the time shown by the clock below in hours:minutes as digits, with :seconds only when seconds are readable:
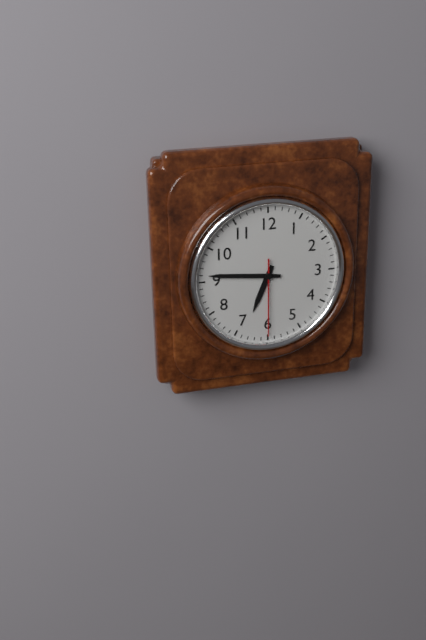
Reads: 6:46:30
